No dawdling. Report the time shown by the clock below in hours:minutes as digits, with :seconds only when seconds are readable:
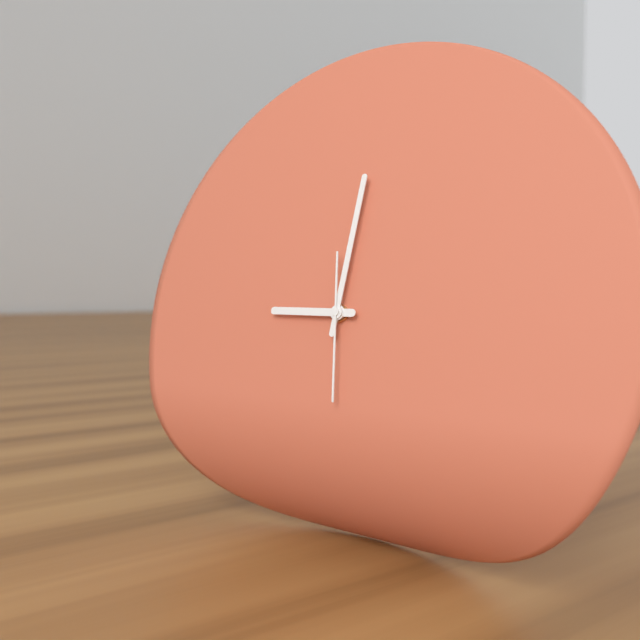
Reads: 9:01:29
